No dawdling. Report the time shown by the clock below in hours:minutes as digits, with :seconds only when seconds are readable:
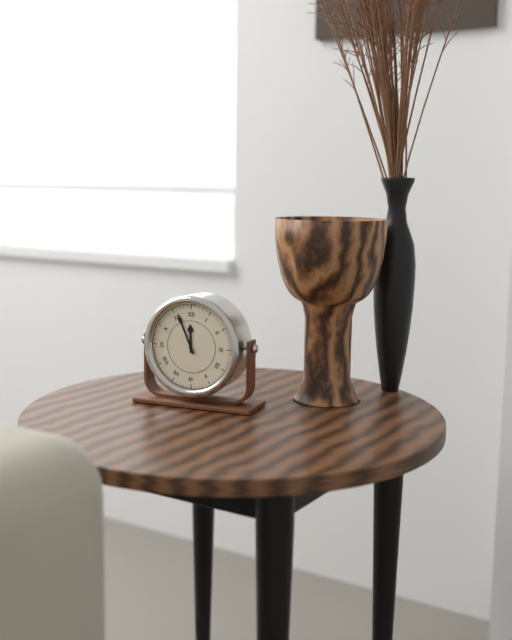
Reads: 11:56
